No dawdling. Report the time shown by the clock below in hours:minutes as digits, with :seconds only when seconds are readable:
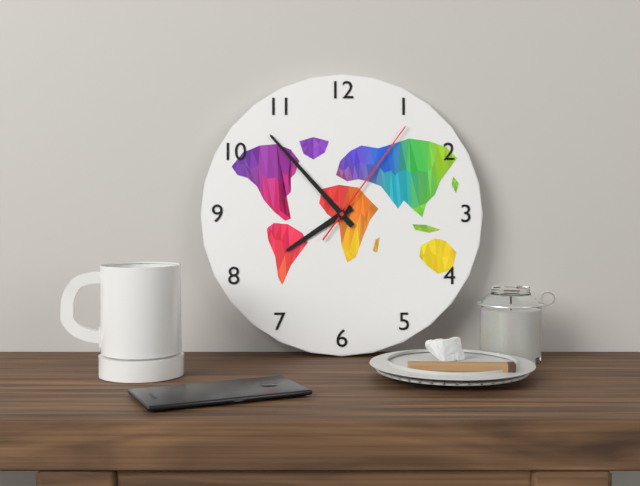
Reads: 7:53:06
